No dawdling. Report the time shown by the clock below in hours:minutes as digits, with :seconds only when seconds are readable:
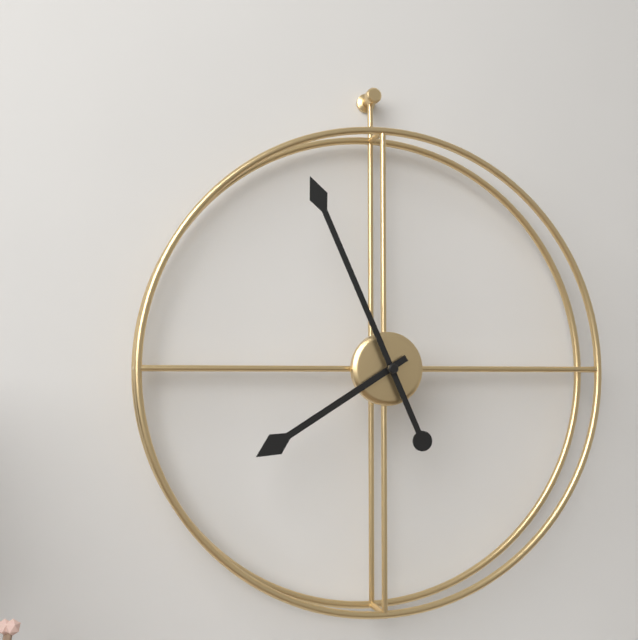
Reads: 7:56
